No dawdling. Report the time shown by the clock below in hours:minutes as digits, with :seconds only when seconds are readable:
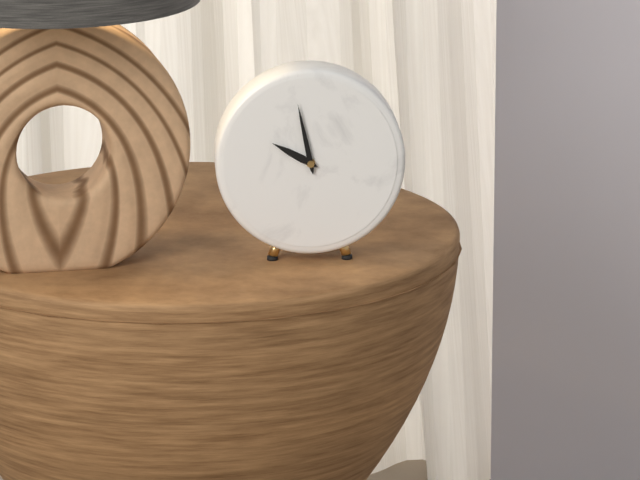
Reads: 9:58
